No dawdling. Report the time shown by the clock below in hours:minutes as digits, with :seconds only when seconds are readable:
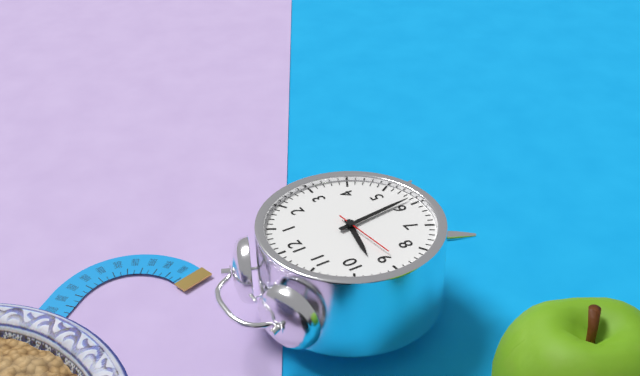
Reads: 9:29:44
